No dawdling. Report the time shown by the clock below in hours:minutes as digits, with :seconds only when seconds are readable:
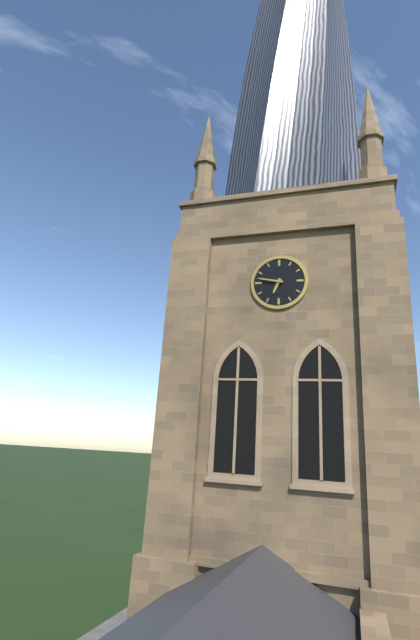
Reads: 6:47
